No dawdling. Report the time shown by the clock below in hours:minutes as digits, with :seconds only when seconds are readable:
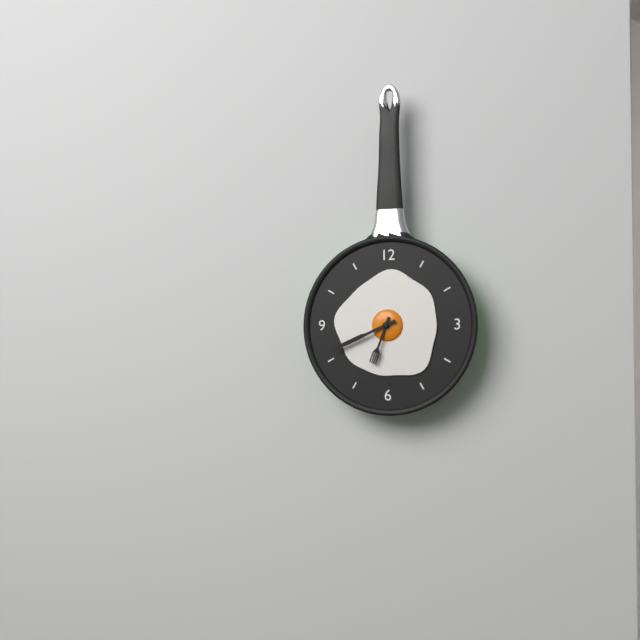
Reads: 6:41
